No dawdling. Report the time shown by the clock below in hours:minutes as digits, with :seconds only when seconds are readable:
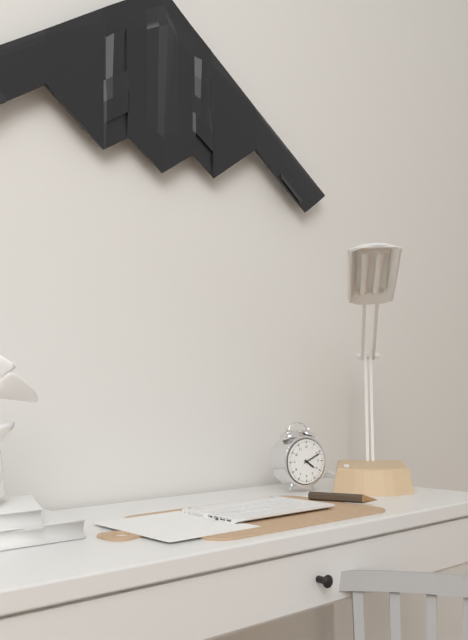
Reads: 4:11
